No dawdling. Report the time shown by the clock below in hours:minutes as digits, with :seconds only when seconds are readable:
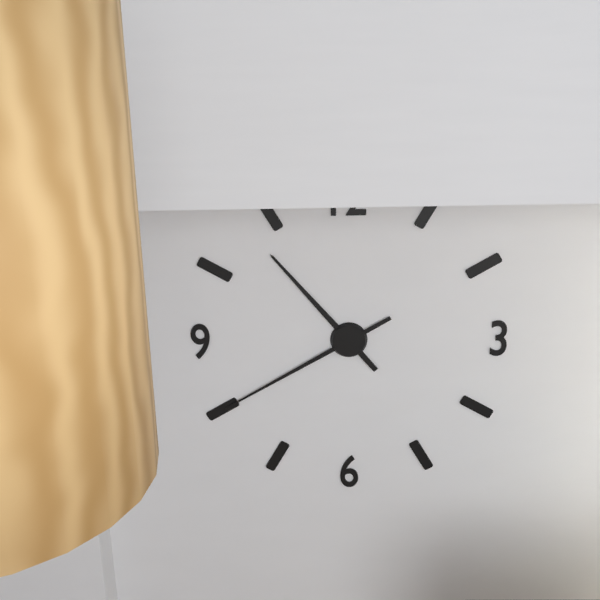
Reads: 10:40
